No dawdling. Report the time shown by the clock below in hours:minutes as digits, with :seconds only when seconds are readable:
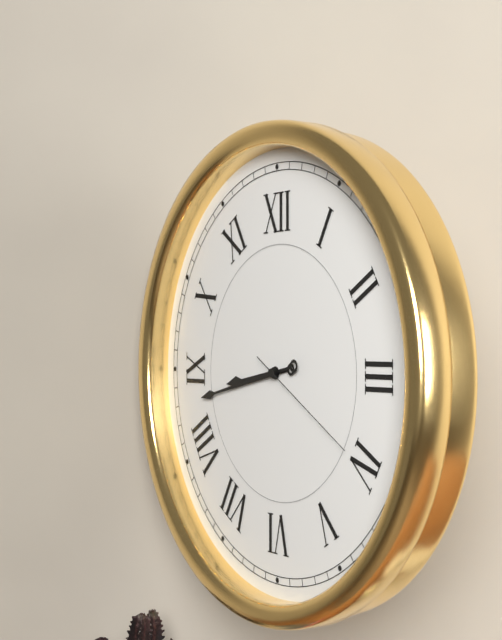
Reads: 8:43:20
